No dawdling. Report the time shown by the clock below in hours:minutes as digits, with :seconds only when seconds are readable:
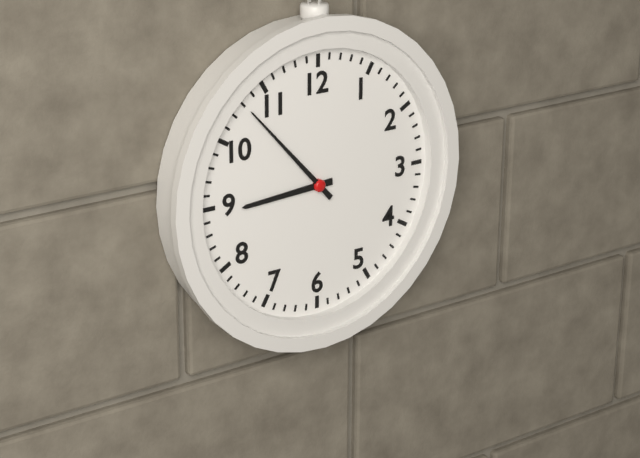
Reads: 8:53
